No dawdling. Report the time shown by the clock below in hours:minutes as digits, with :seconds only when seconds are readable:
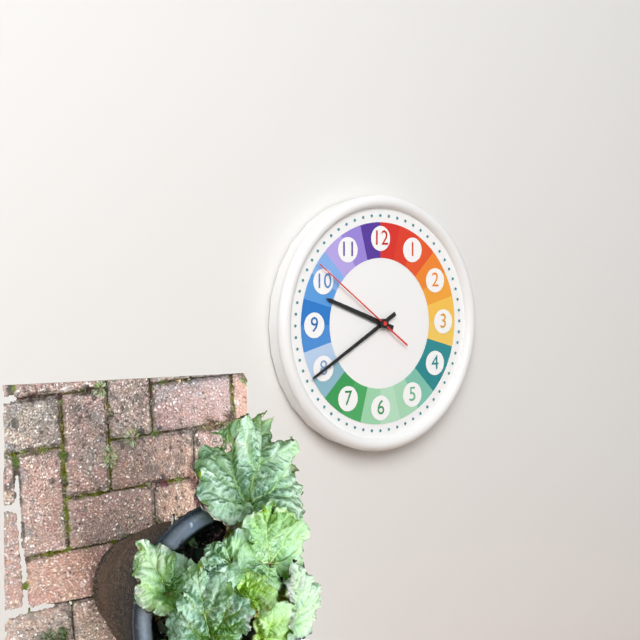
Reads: 9:40:51
